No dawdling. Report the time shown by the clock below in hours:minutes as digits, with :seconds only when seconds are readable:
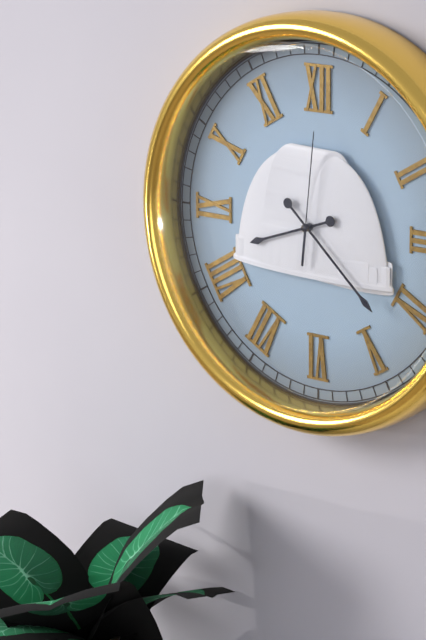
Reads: 8:22:01
